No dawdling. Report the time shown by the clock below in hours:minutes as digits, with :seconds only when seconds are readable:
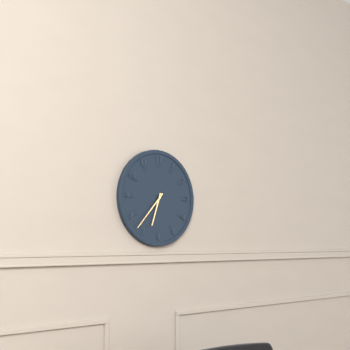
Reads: 6:37
